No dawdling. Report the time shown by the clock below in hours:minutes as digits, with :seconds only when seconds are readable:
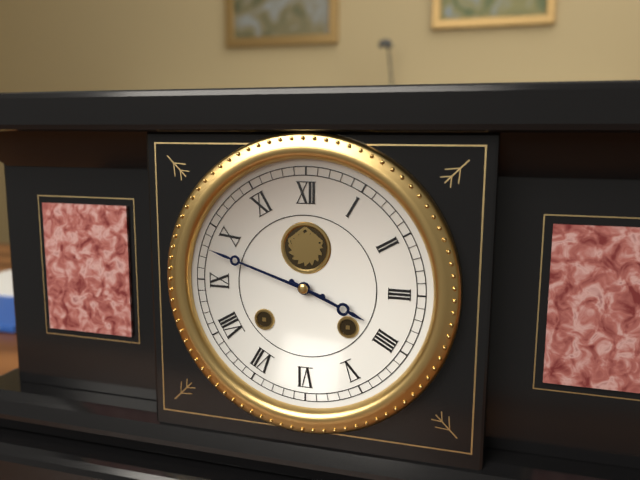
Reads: 3:48
